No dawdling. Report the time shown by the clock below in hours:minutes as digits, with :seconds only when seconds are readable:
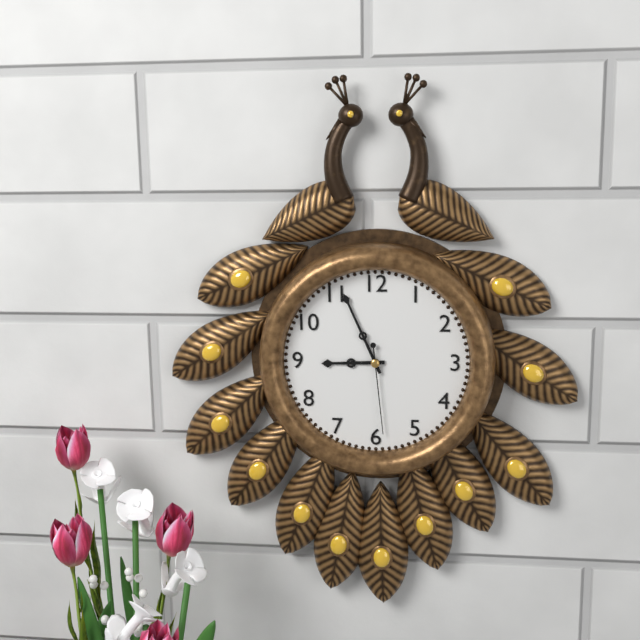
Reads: 8:56:29
